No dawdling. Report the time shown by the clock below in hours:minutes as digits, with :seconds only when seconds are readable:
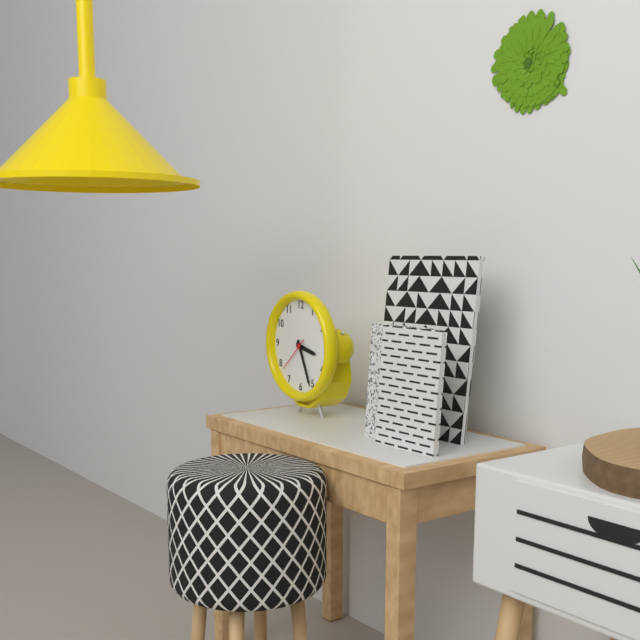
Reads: 3:26
